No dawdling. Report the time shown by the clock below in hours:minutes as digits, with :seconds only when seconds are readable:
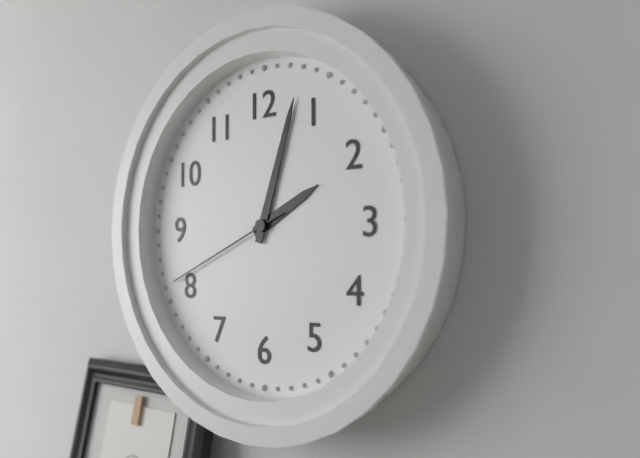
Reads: 2:03:41
